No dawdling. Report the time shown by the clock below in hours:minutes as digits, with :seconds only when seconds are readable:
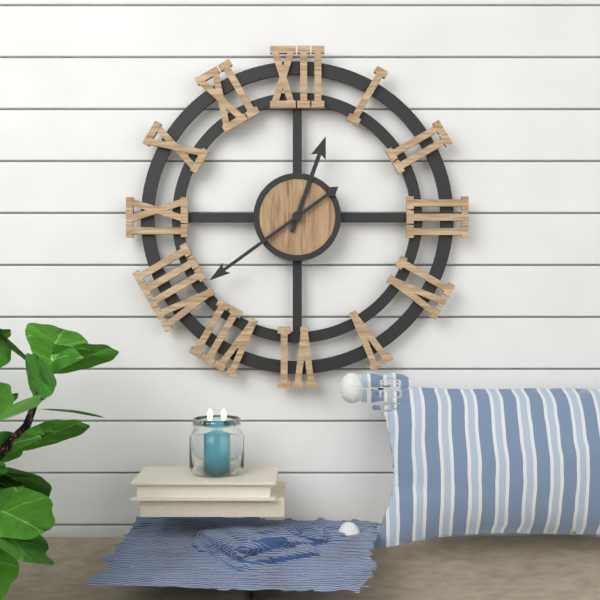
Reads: 12:39
